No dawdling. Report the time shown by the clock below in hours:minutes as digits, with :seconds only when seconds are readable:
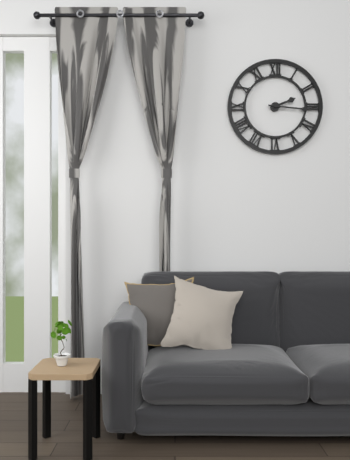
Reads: 2:16
